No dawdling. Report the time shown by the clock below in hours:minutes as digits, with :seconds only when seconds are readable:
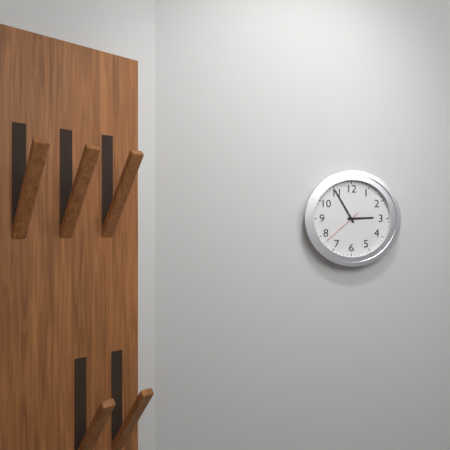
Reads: 2:55
